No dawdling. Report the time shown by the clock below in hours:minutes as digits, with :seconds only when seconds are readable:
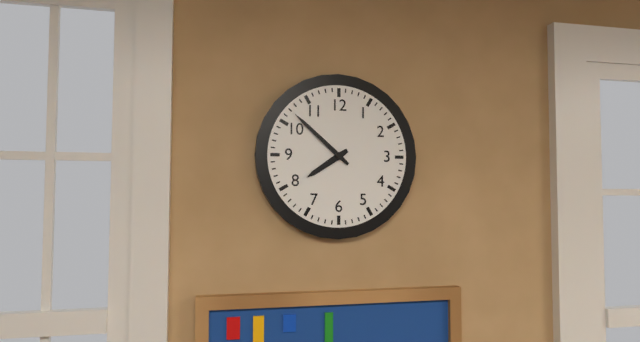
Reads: 7:52
